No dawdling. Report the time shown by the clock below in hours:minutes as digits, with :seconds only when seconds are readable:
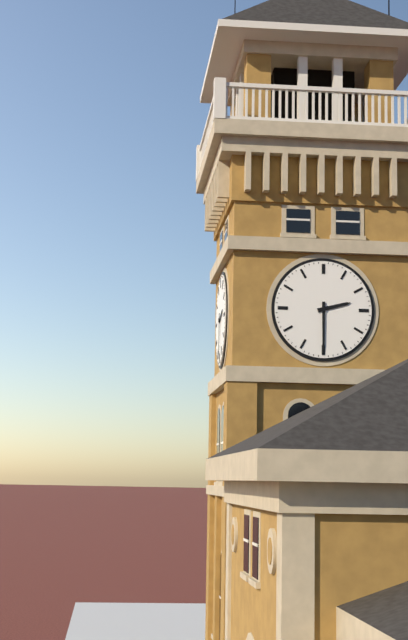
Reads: 2:30
